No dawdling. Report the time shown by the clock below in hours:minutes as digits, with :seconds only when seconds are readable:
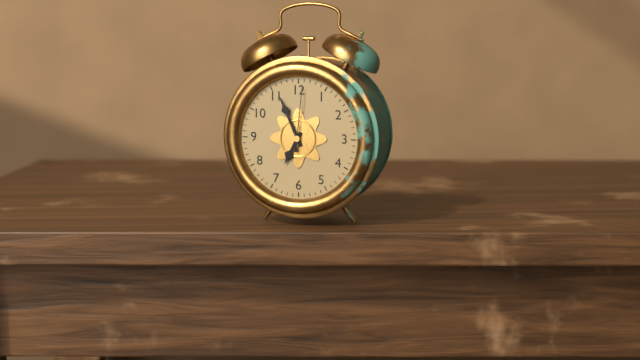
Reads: 6:56:01
